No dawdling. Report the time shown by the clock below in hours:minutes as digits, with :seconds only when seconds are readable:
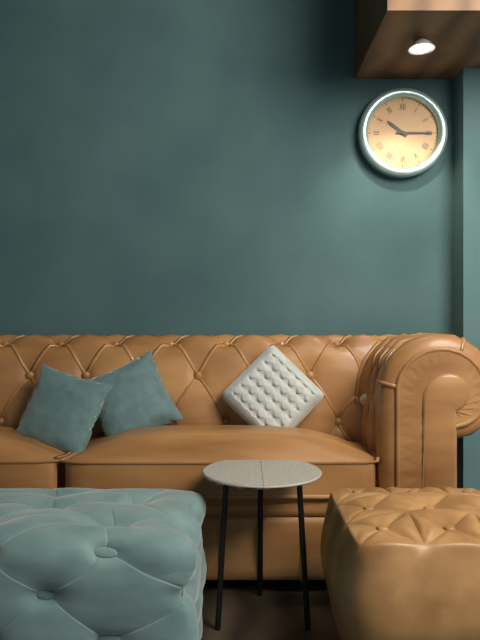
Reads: 10:15
